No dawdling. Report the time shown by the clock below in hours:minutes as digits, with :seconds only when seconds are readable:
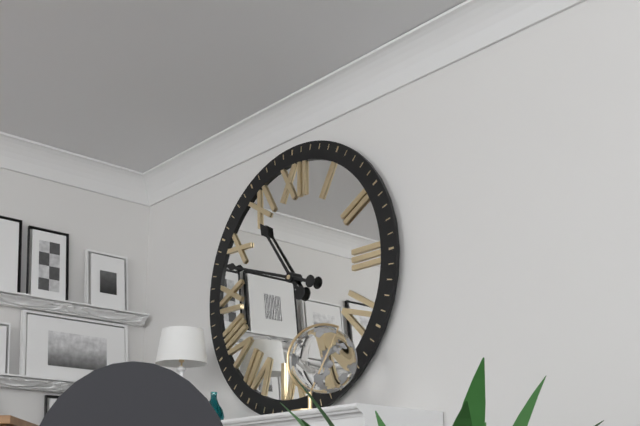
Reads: 10:48
